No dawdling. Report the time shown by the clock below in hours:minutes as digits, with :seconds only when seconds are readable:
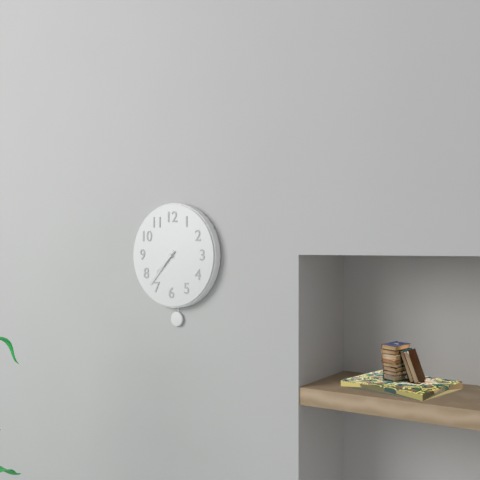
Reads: 7:37
